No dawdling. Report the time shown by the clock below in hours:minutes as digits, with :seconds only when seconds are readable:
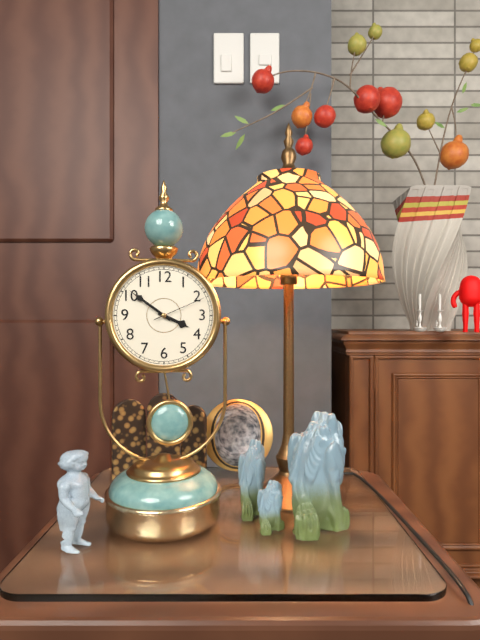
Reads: 3:51:11
